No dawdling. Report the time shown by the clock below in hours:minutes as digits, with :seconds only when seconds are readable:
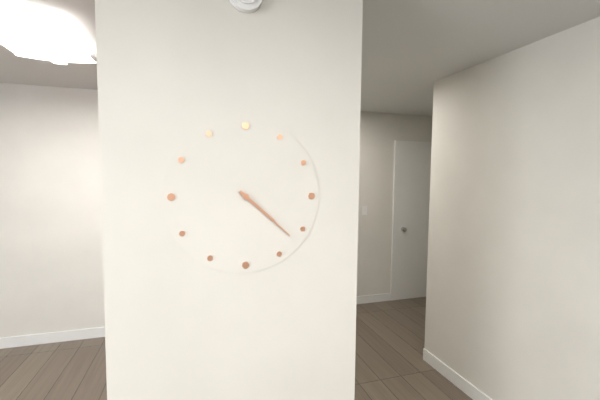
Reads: 4:22
